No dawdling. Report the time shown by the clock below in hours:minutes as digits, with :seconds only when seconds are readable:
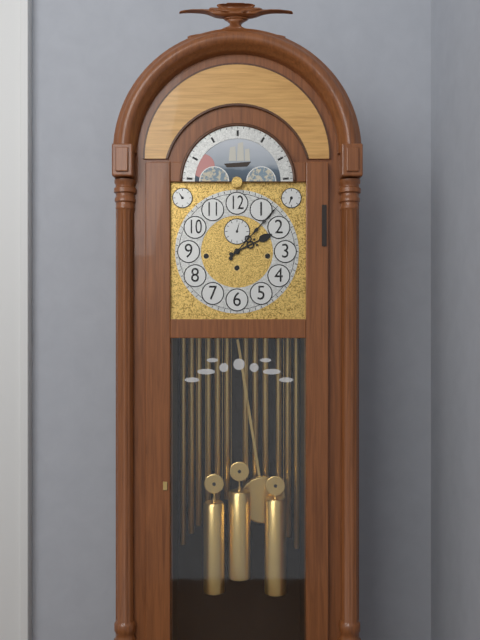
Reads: 2:07
